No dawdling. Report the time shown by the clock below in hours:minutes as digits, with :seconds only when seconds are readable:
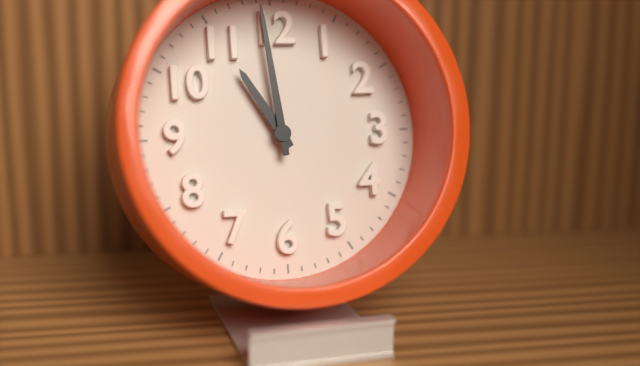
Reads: 10:59
